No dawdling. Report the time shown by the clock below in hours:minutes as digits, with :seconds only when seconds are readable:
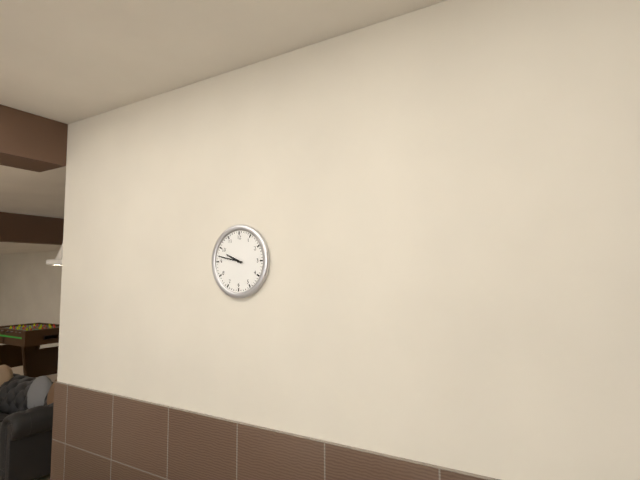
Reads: 9:47
